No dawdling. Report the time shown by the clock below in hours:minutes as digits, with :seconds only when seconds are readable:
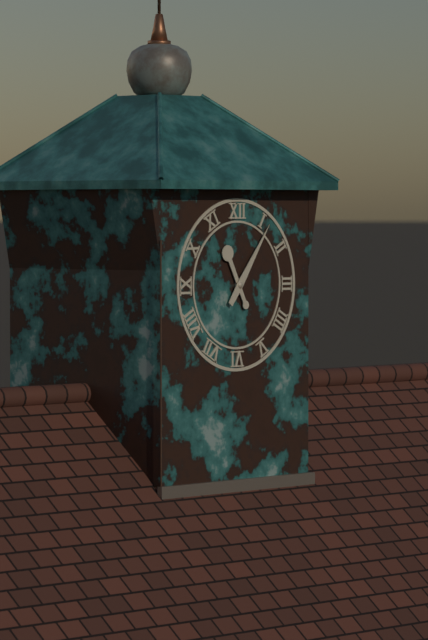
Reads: 11:06
